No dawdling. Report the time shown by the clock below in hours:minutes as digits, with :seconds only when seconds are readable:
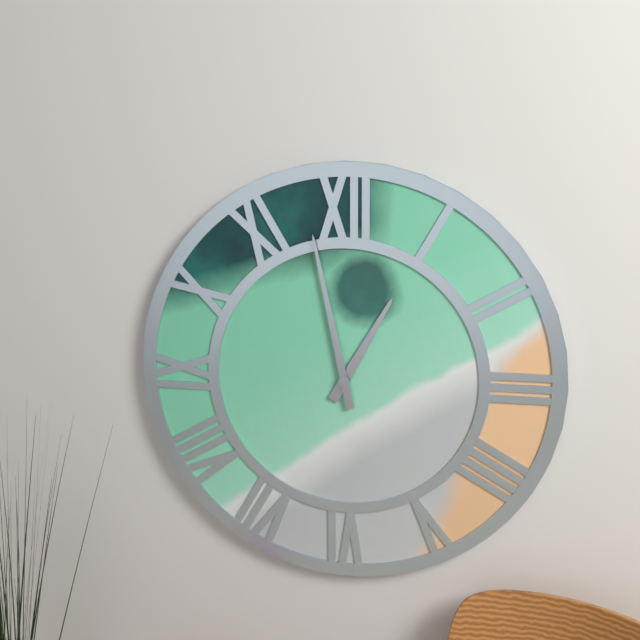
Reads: 12:58
